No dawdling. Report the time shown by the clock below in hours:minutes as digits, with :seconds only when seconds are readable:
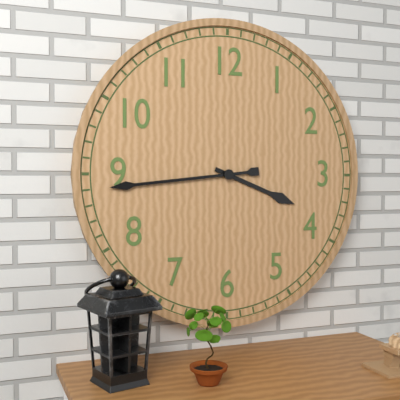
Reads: 3:44
